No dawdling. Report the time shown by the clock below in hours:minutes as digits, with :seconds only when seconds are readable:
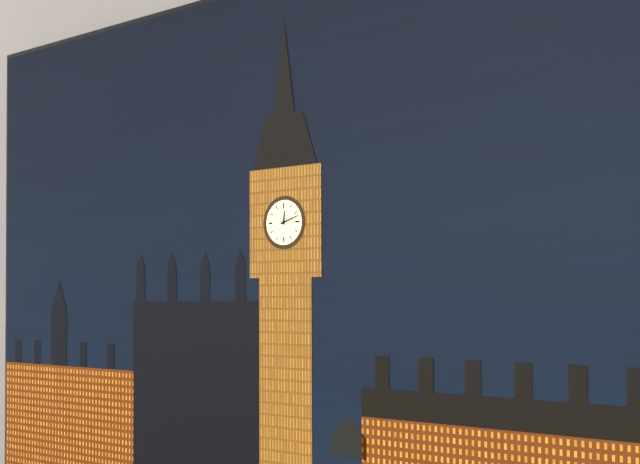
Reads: 12:12
